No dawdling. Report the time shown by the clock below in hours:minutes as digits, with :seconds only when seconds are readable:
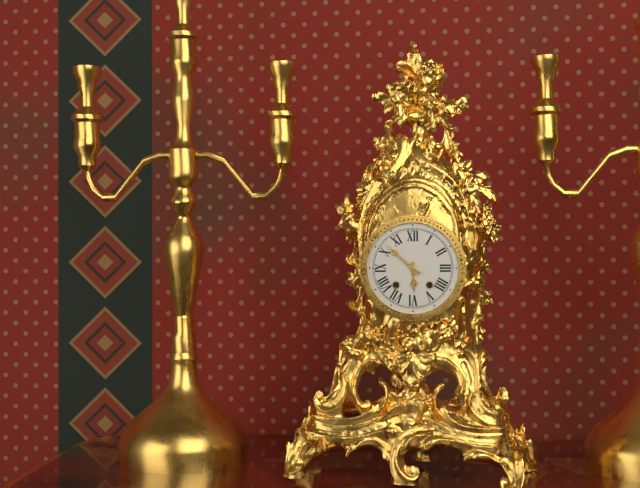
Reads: 5:52
